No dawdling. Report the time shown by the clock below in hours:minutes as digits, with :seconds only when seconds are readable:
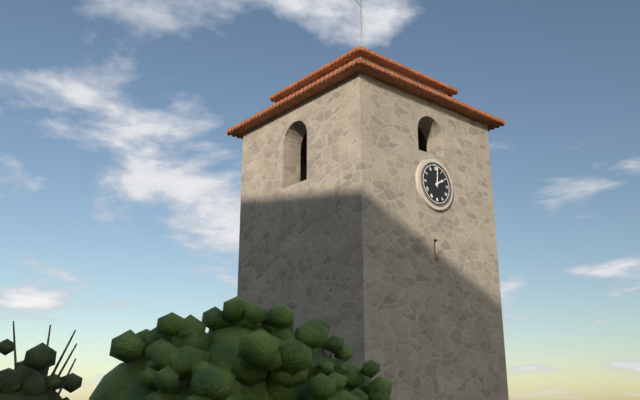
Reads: 2:01
